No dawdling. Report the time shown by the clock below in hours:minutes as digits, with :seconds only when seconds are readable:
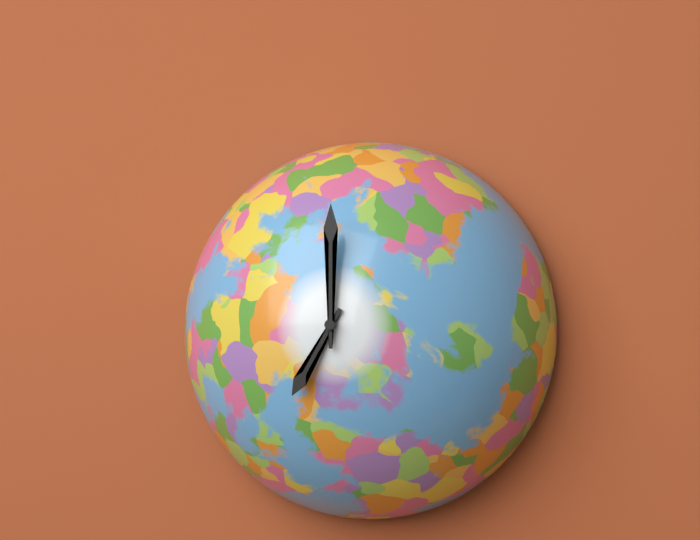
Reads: 7:00
